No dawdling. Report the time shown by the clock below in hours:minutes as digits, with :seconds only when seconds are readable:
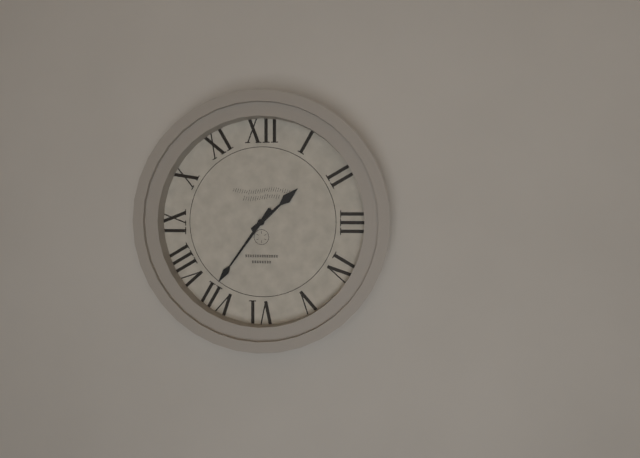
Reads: 1:36
